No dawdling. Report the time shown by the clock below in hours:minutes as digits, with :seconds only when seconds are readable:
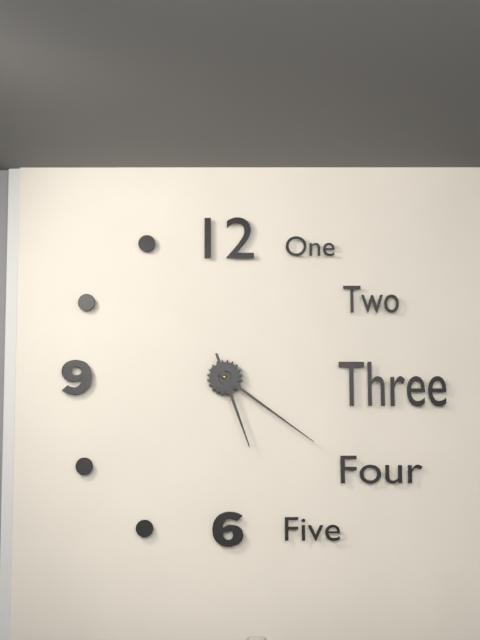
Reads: 5:21
